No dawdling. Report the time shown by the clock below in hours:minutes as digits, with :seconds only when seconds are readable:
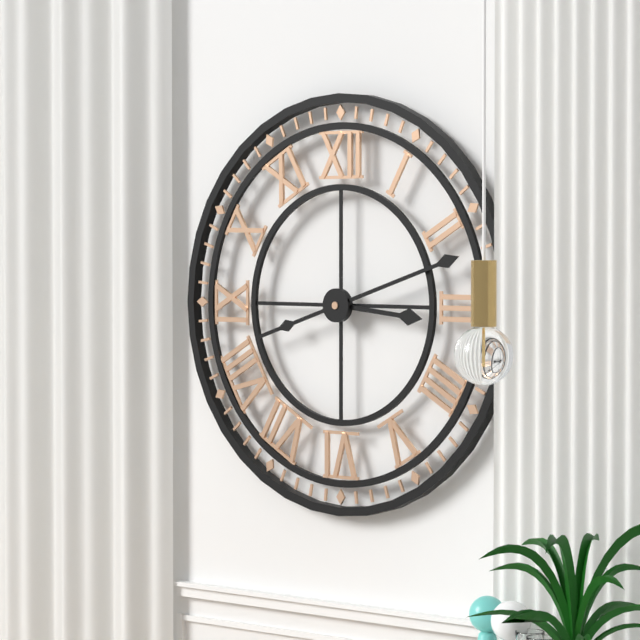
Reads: 3:12
